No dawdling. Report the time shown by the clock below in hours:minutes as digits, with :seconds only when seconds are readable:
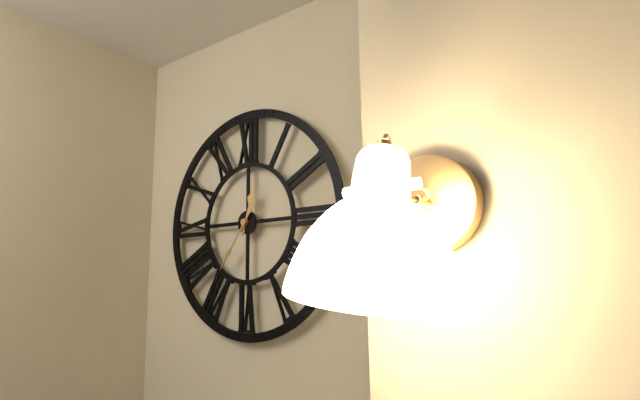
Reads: 12:36
